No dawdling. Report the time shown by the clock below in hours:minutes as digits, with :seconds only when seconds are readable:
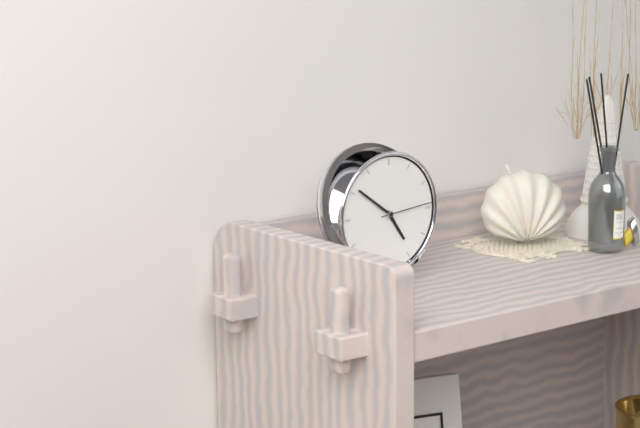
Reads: 4:51:14
